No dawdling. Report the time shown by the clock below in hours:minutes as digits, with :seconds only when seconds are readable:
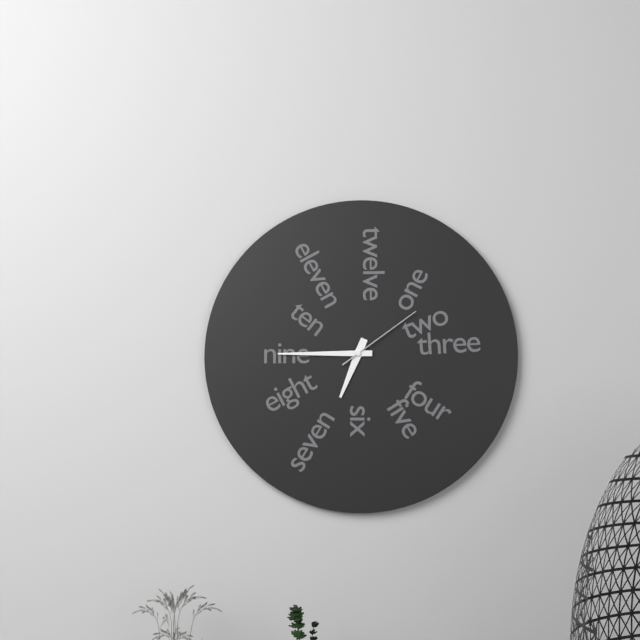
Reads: 6:45:09
